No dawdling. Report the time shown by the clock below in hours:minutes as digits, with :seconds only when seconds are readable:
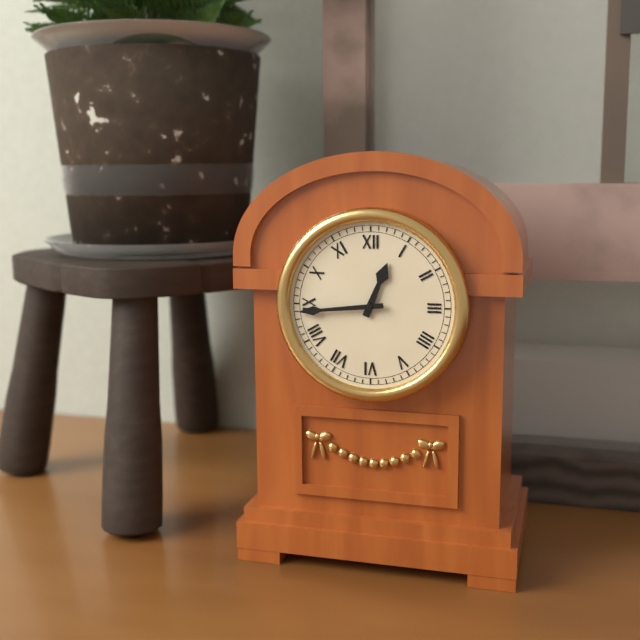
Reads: 12:44
